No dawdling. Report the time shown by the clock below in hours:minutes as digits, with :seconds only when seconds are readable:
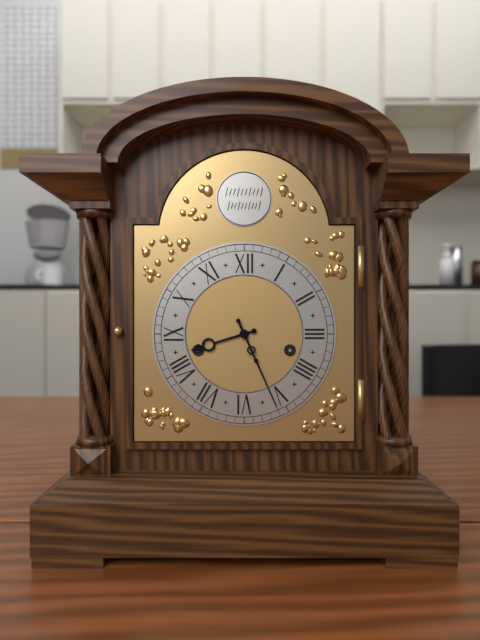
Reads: 8:26
